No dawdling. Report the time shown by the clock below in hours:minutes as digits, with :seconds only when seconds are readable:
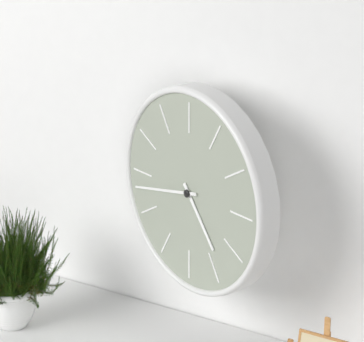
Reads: 4:43
